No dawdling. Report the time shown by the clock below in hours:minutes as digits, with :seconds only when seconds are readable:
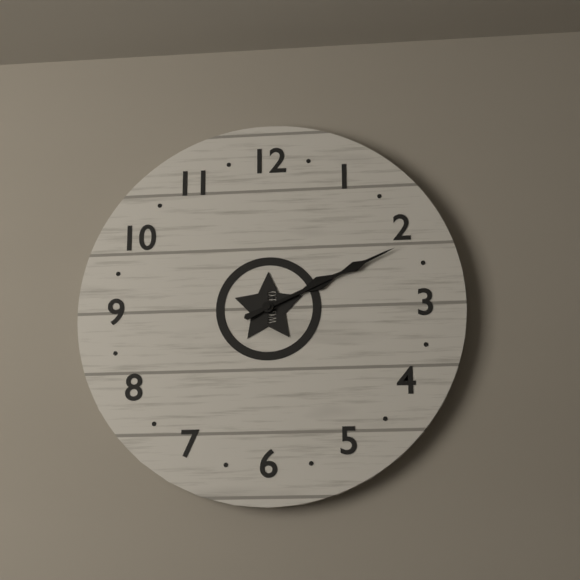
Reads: 2:11
